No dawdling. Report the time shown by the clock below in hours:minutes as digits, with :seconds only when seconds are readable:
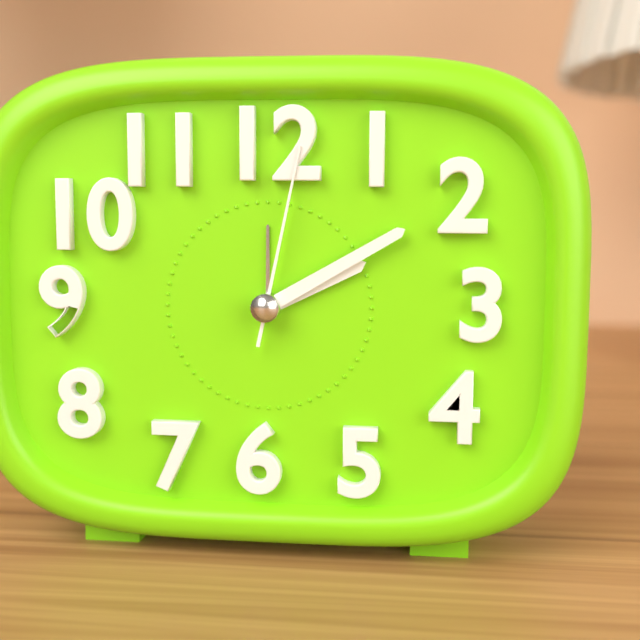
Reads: 2:10:02
